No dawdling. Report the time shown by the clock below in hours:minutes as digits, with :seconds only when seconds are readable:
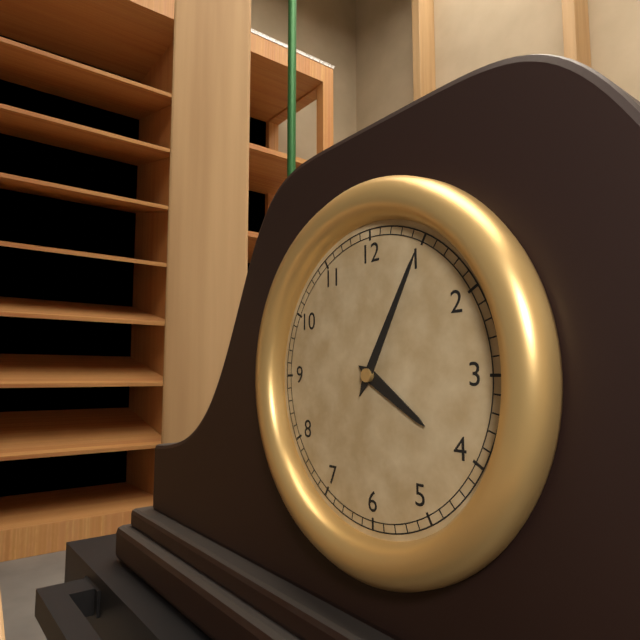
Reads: 4:05
